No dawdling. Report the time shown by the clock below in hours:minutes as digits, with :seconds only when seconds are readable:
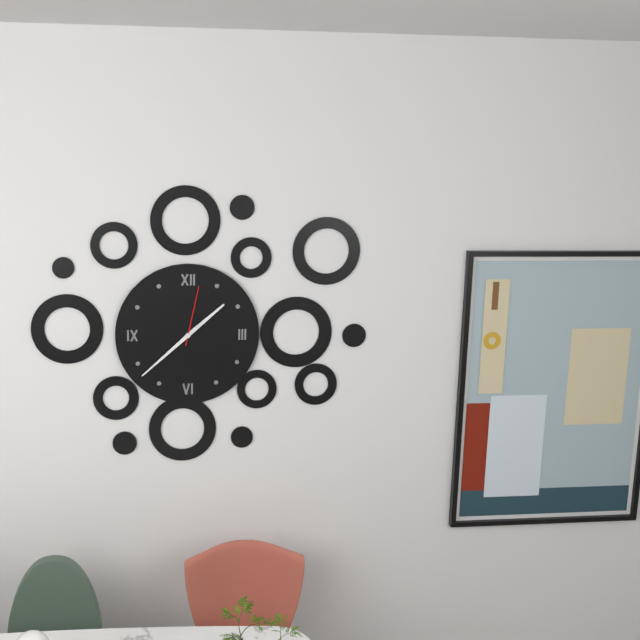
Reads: 1:38:02
